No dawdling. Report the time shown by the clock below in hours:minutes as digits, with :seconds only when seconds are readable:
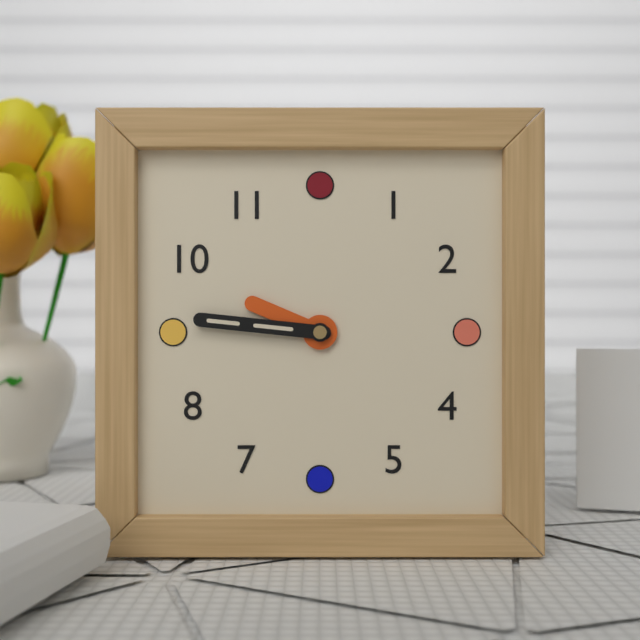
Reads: 9:46
